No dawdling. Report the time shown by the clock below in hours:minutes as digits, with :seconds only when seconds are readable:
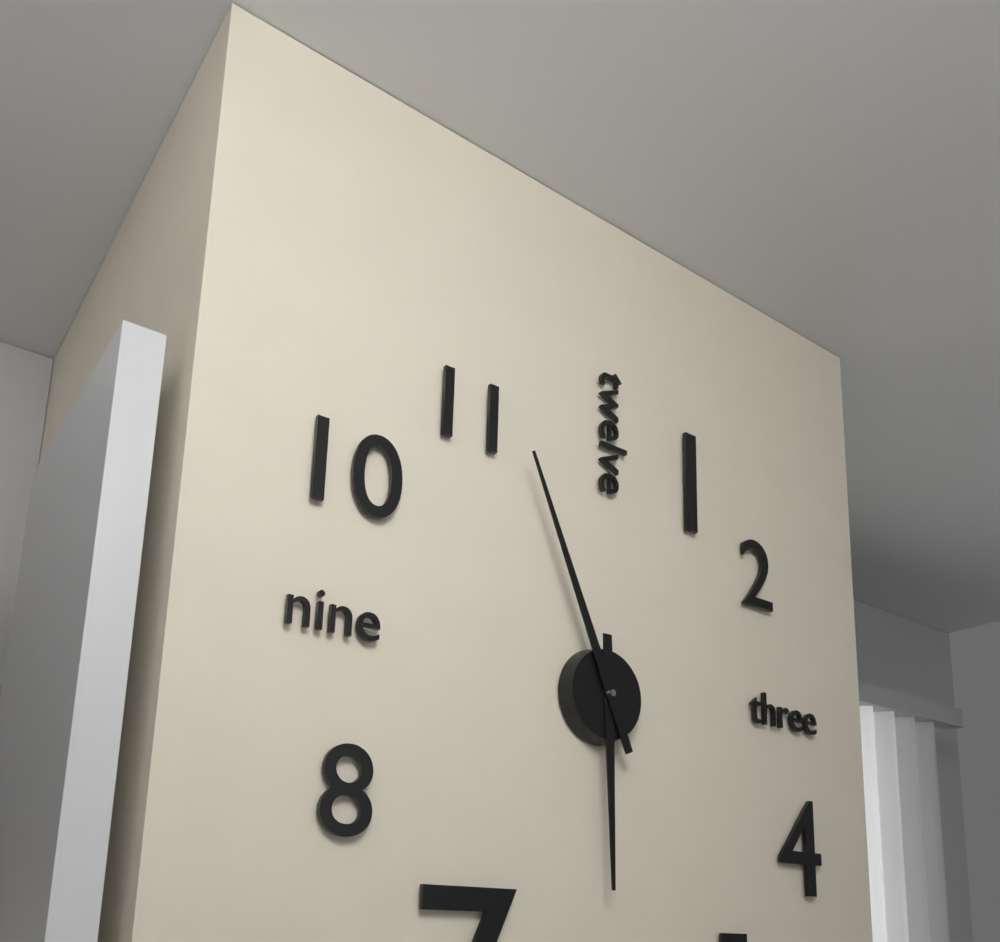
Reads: 5:56
